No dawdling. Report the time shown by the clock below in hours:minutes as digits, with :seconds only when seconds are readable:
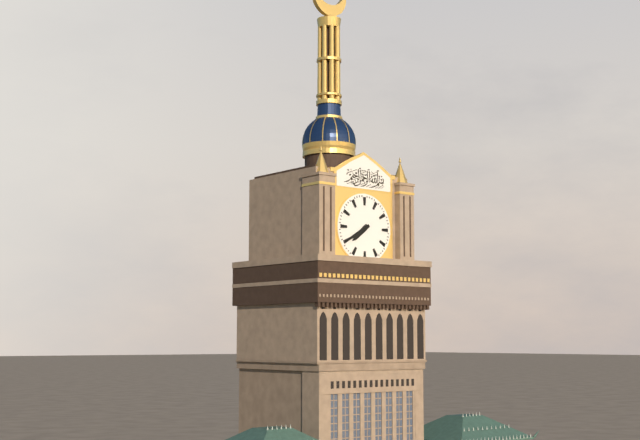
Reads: 7:40
